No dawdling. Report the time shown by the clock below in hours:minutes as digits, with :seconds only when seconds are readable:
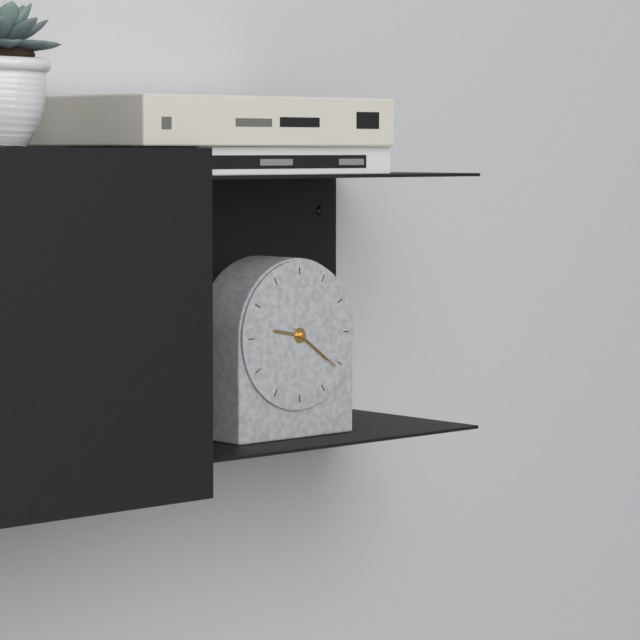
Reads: 9:21:21
